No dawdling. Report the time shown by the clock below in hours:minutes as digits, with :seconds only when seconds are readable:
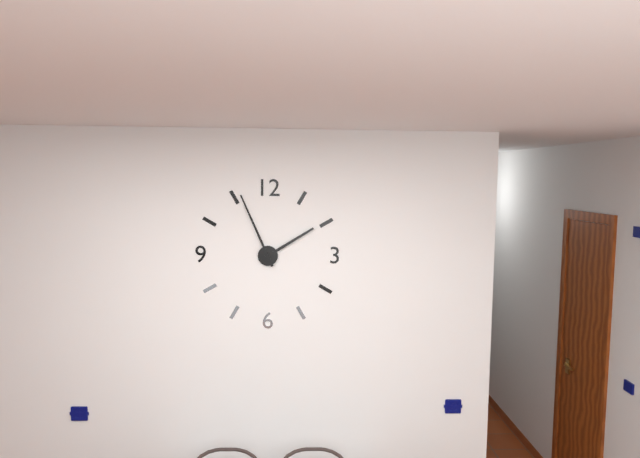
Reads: 1:56
